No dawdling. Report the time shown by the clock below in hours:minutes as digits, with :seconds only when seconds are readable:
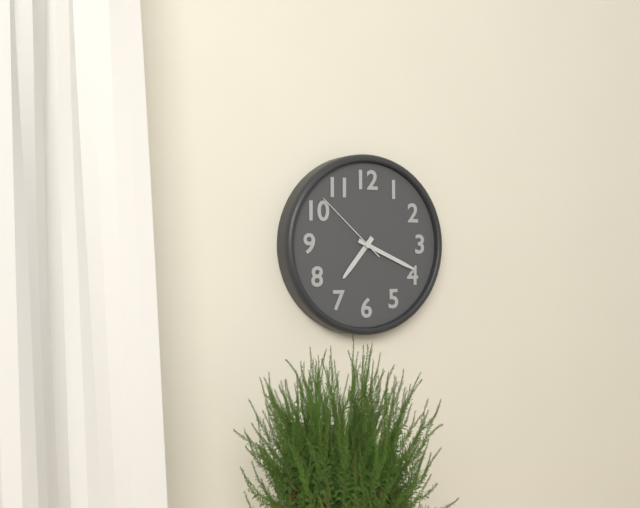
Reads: 7:19:52
